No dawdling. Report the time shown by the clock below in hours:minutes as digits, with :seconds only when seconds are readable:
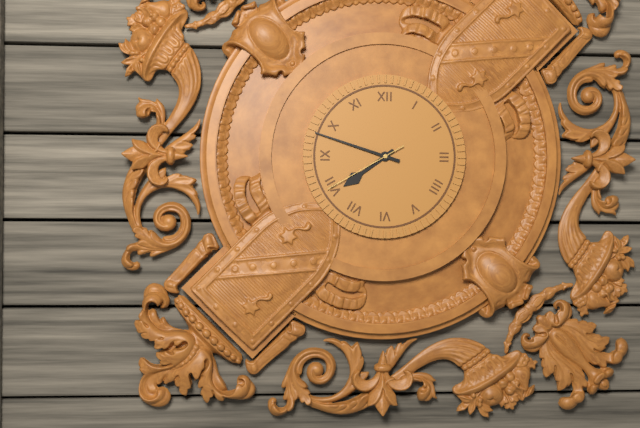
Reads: 7:48:40
